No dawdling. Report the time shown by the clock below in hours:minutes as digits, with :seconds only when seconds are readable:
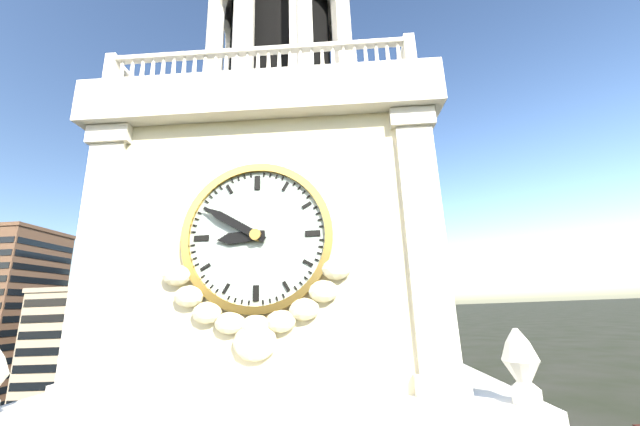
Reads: 8:50
